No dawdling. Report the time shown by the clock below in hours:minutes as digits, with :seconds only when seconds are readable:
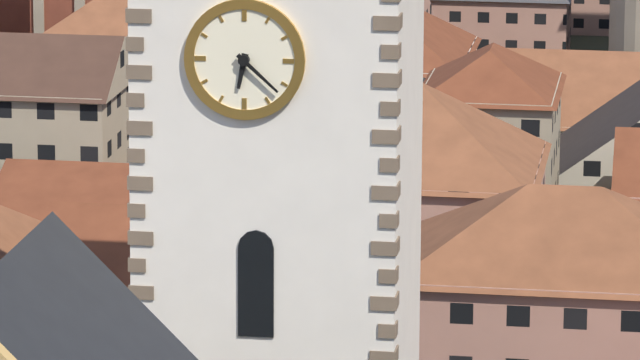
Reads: 6:22
